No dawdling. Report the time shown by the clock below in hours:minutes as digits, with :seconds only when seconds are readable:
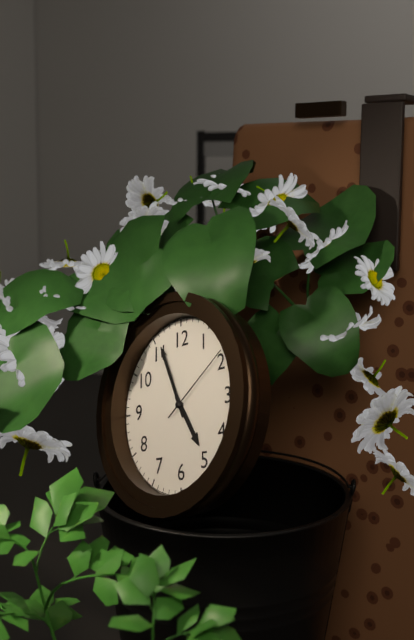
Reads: 4:56:09
